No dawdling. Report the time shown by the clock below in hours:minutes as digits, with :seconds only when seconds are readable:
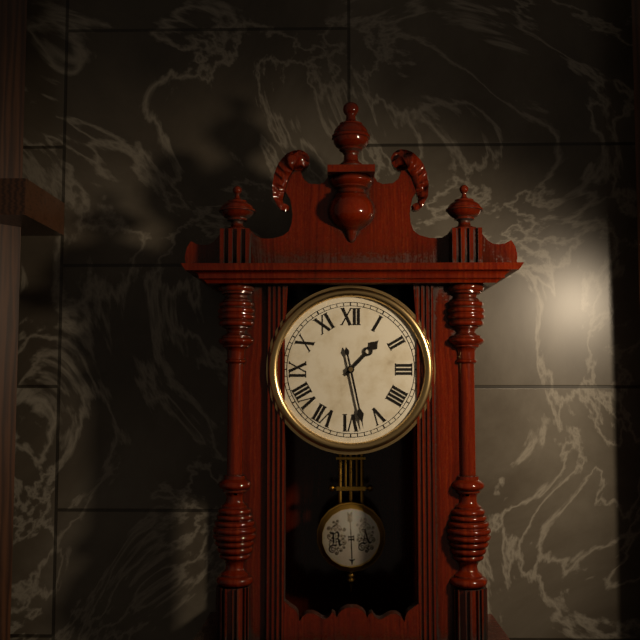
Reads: 1:28
